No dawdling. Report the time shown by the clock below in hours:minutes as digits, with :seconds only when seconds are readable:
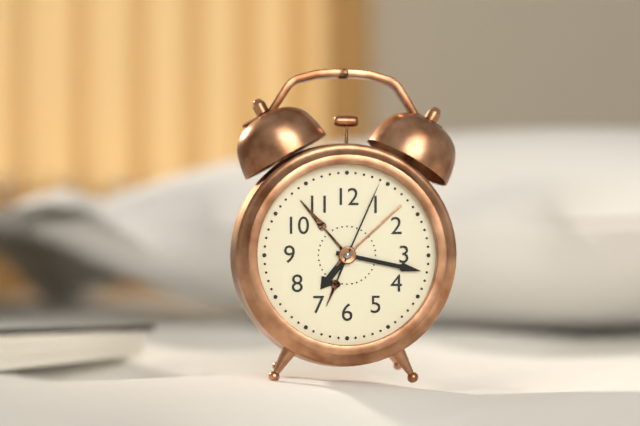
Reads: 7:17:04
